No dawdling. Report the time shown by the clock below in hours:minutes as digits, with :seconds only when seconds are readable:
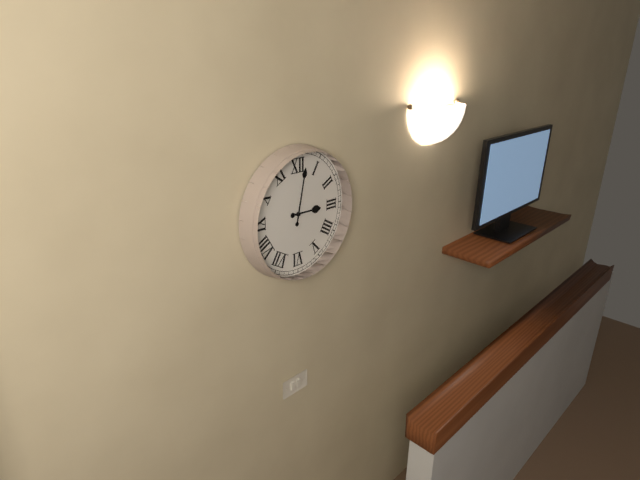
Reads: 3:02
